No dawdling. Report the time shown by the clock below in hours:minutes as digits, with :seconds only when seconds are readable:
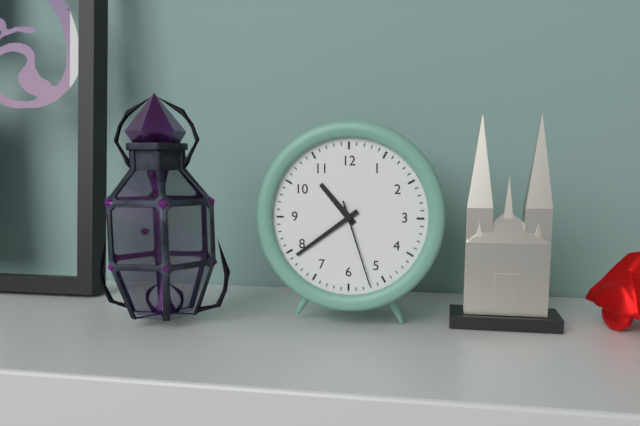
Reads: 10:39:27
